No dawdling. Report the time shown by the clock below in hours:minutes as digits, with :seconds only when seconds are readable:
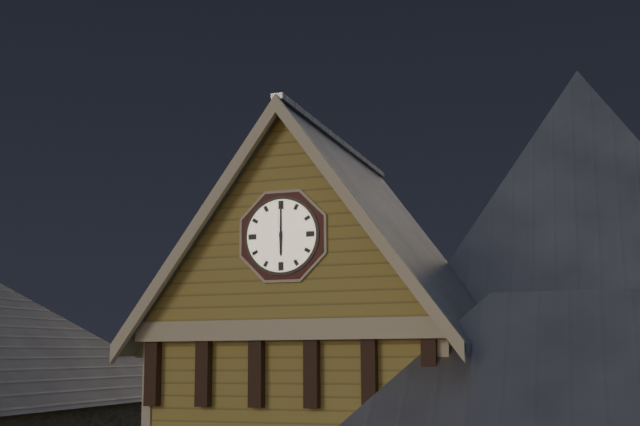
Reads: 6:00
